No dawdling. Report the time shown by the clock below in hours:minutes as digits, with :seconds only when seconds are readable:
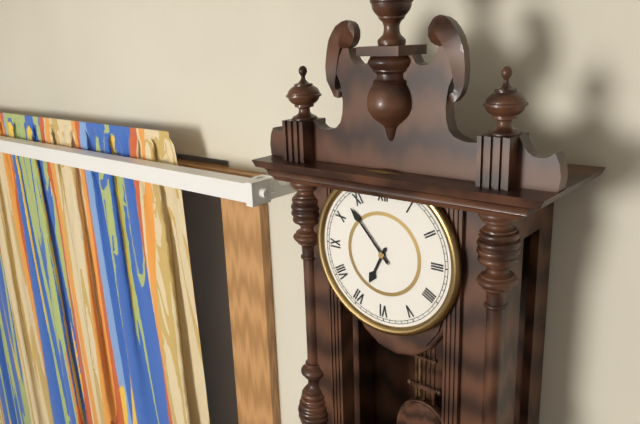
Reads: 6:53
